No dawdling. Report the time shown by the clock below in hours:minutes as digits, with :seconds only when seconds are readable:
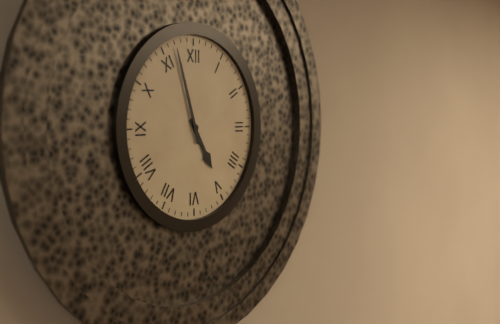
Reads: 4:57
